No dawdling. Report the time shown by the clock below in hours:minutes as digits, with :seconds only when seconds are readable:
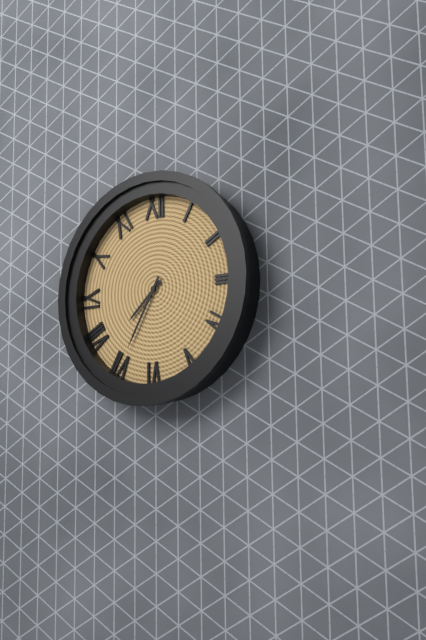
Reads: 7:35
